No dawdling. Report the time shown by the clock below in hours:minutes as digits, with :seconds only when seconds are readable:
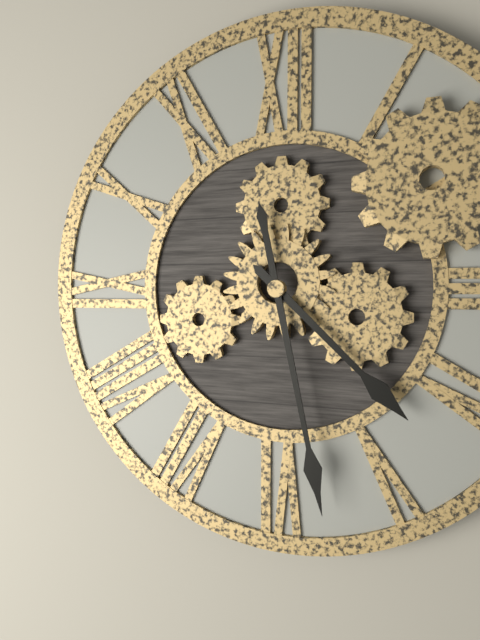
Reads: 4:28
